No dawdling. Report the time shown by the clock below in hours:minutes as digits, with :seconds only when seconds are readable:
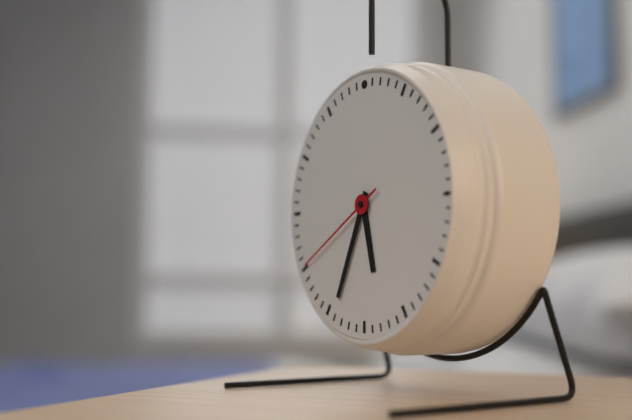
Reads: 5:34:40
